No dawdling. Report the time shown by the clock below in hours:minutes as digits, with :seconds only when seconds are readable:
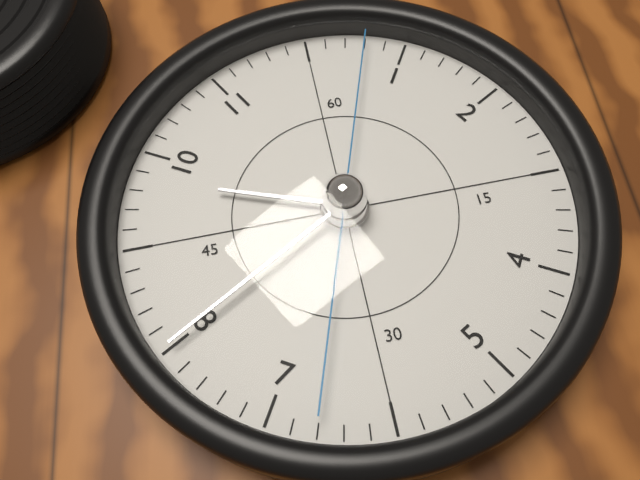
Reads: 9:40:03
